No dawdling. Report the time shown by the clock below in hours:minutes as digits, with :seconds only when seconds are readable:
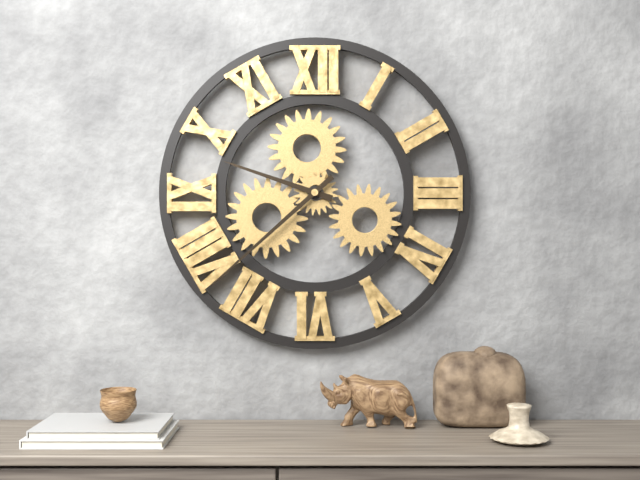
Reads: 9:38
